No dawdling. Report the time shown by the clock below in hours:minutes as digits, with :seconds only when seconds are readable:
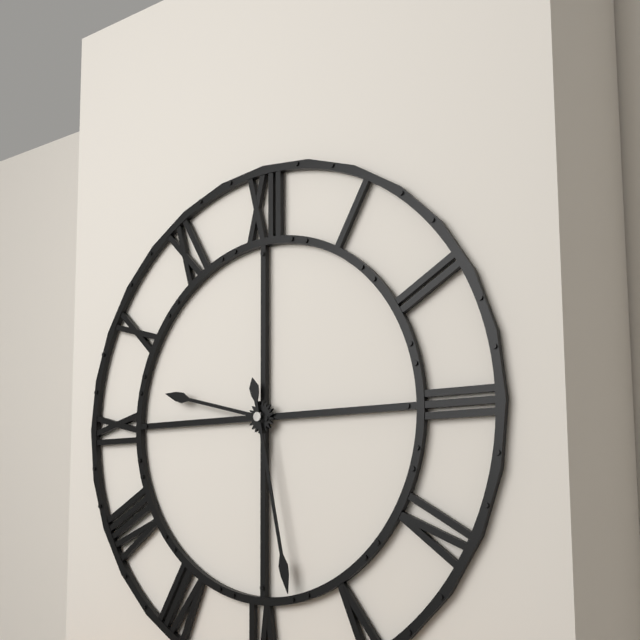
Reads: 9:28
